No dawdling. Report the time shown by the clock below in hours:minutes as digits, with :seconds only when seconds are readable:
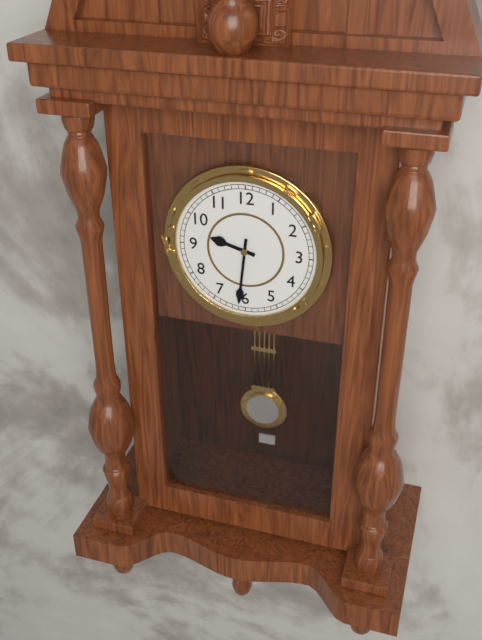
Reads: 9:31
